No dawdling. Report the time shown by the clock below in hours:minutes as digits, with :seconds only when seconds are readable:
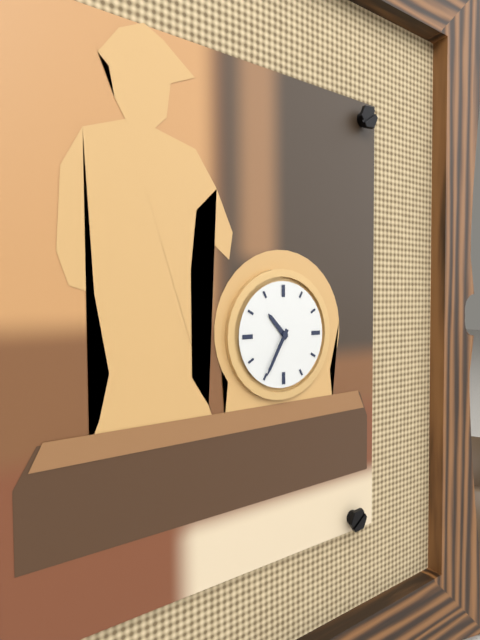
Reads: 10:35
